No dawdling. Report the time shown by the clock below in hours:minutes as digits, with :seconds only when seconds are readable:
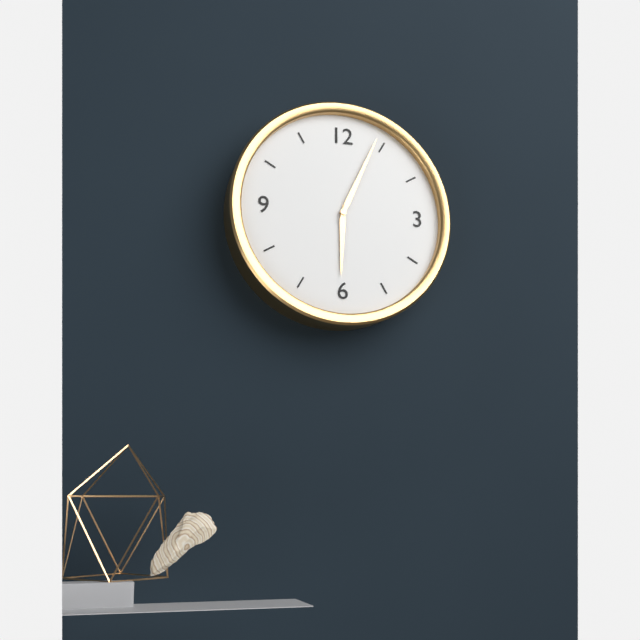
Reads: 6:04
